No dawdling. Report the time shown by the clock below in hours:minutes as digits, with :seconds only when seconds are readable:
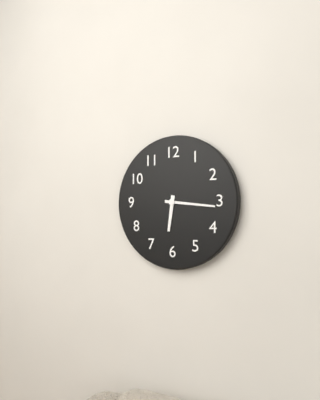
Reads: 6:16
